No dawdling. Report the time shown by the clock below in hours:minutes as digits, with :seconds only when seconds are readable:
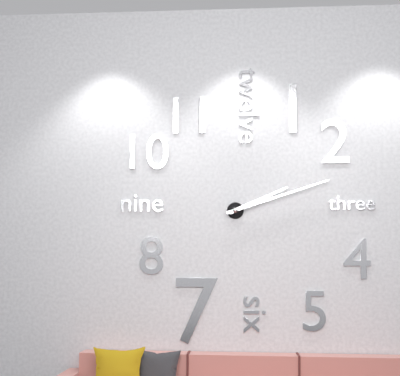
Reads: 2:12
